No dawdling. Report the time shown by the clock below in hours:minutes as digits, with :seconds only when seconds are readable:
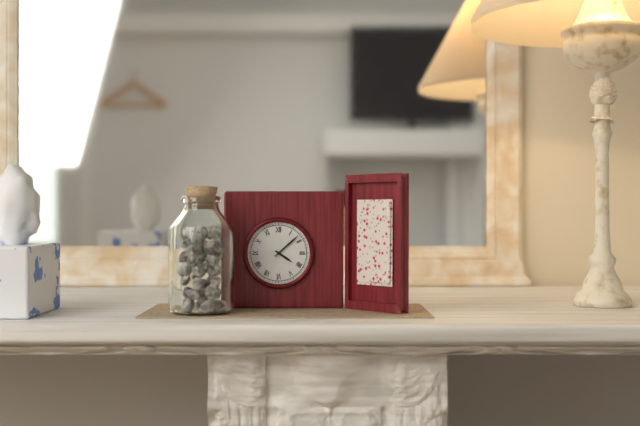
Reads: 4:08
